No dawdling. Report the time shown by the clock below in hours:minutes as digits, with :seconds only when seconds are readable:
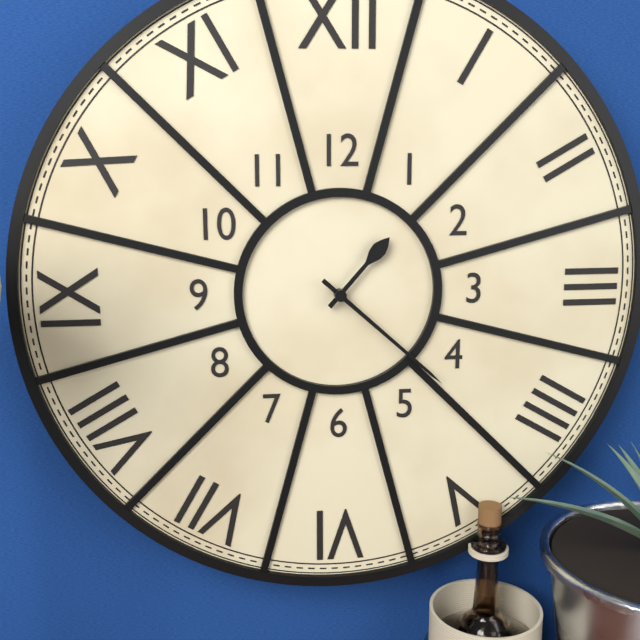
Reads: 1:22
